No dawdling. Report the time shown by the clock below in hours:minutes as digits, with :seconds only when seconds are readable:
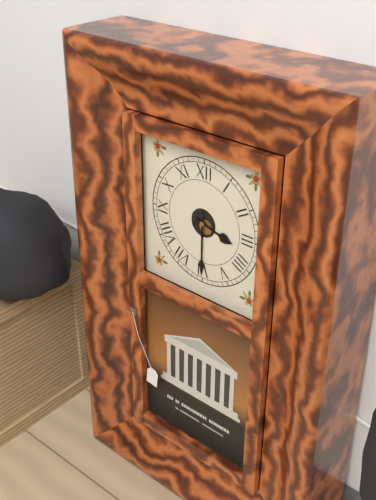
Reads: 3:30
